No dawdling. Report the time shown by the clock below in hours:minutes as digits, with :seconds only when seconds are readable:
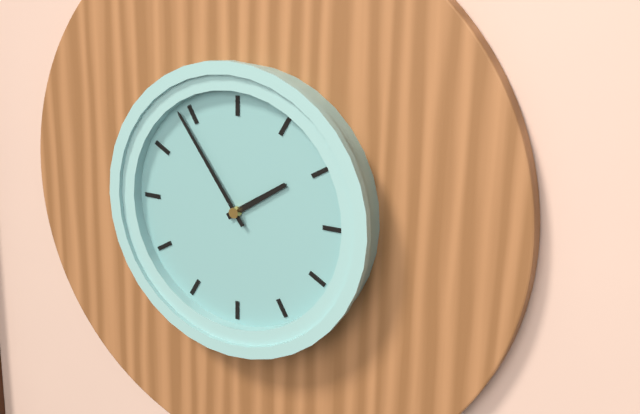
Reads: 1:54
